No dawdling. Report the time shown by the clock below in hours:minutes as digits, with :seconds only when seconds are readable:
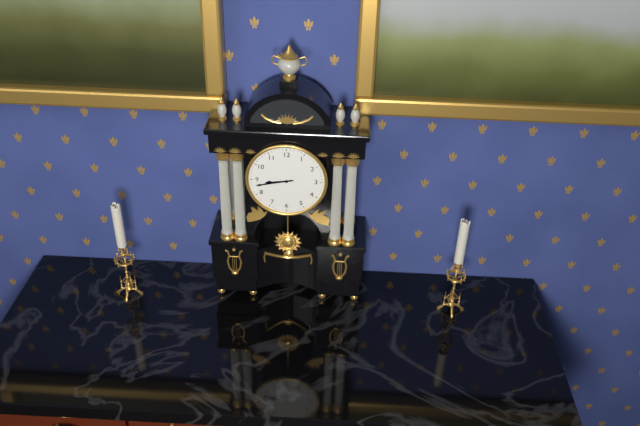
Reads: 8:43
